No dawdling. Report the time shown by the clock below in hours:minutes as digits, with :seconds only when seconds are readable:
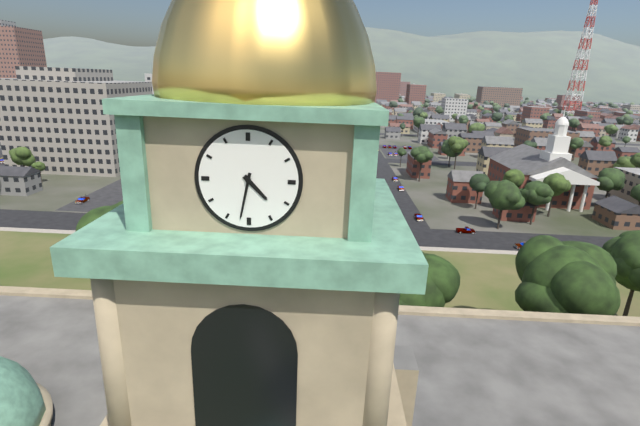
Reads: 4:32
